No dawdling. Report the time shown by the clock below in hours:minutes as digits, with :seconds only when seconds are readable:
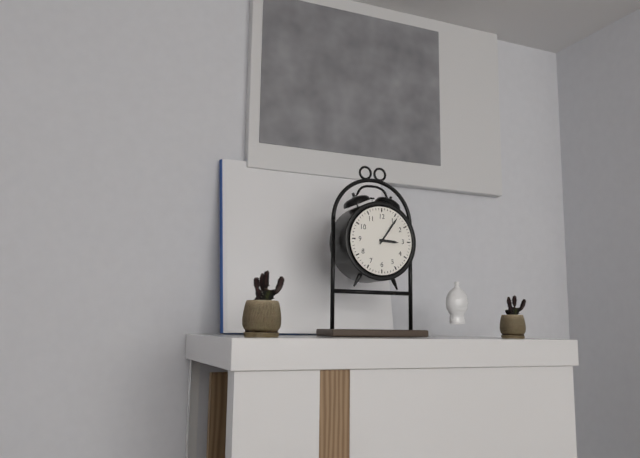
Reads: 3:06
